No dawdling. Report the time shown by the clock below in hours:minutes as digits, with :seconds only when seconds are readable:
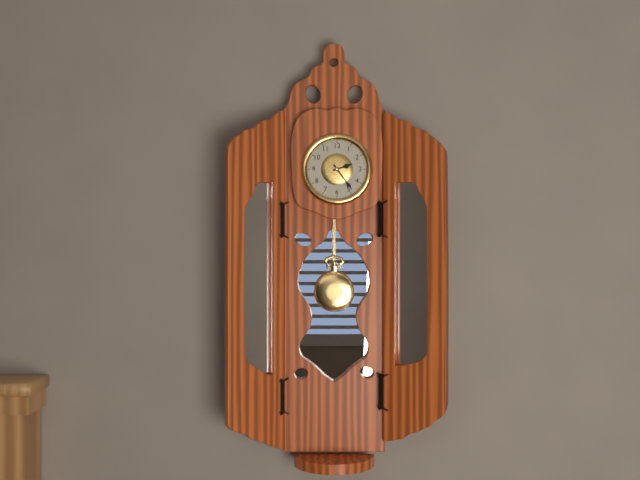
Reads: 2:24
